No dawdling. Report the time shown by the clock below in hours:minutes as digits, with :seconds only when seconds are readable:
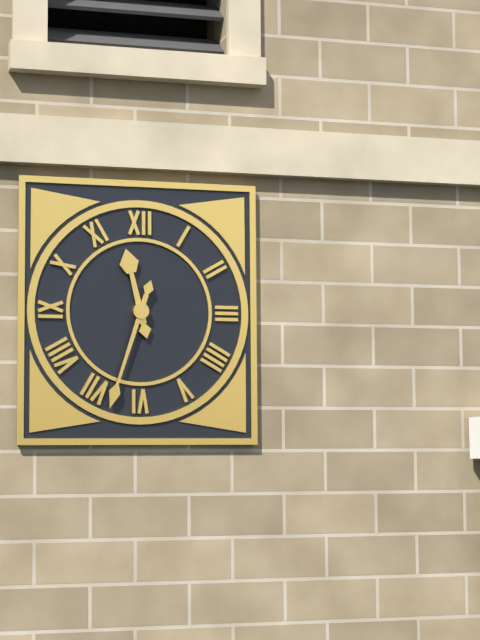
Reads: 11:33
